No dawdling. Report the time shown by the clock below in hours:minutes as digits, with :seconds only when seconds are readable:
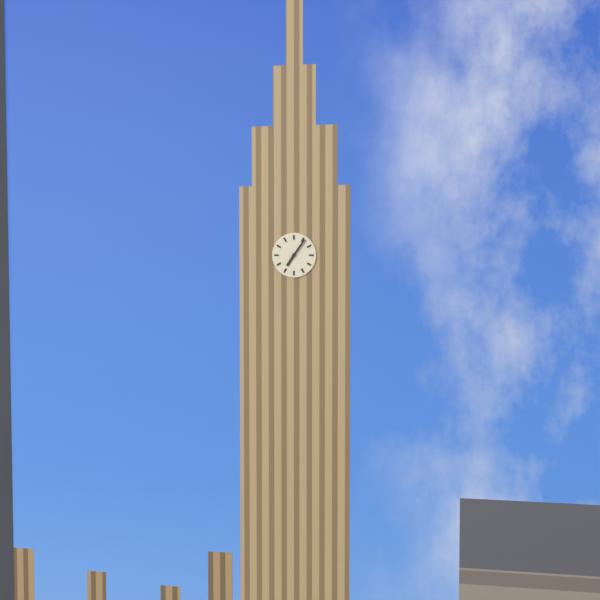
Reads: 7:06
